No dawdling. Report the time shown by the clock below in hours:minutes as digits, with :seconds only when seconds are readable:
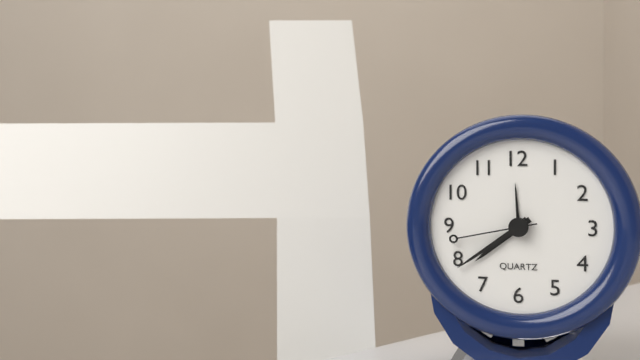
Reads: 7:39:43
